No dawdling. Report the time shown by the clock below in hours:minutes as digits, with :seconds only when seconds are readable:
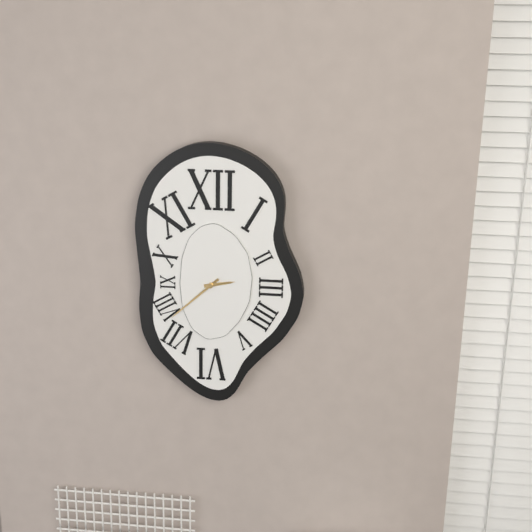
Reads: 2:38
